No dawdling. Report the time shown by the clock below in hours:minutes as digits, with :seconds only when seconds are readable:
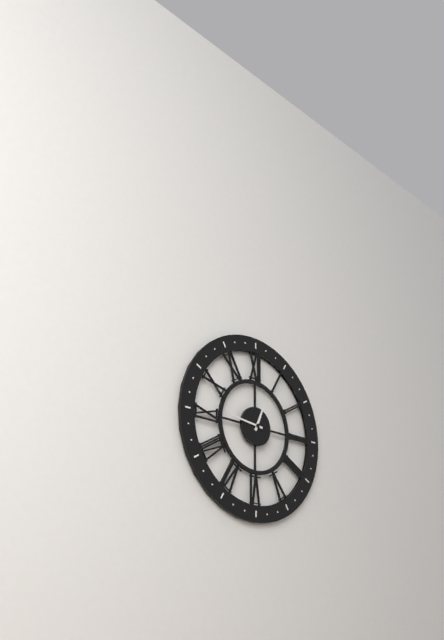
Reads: 12:46
